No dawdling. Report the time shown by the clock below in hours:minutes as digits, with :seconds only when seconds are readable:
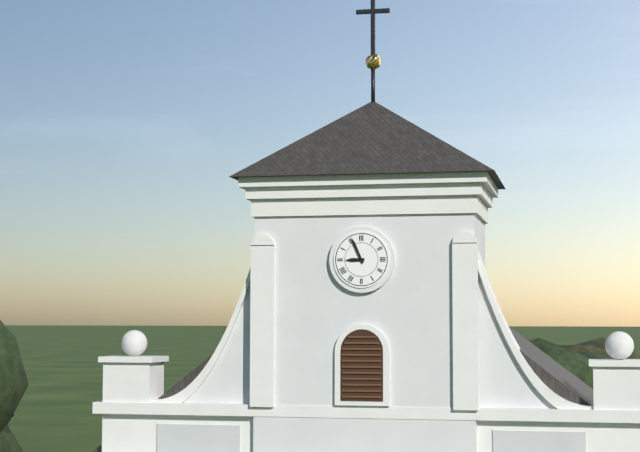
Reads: 8:56
